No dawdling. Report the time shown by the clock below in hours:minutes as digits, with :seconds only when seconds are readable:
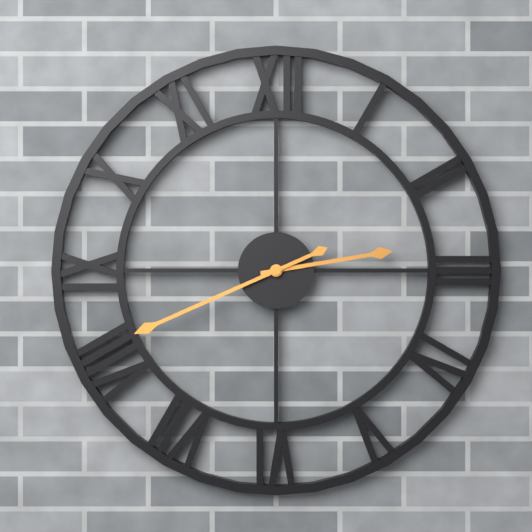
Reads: 2:41
